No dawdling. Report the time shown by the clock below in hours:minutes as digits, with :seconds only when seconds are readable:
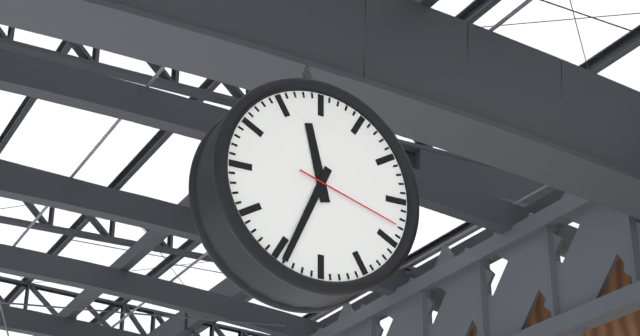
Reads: 11:34:18
